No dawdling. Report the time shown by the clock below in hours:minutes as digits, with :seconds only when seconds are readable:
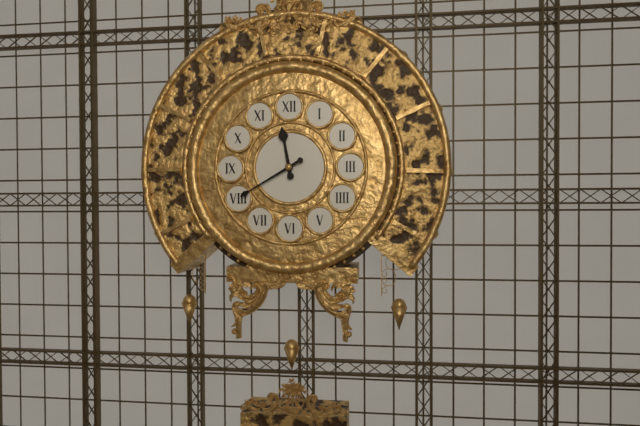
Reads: 11:40
